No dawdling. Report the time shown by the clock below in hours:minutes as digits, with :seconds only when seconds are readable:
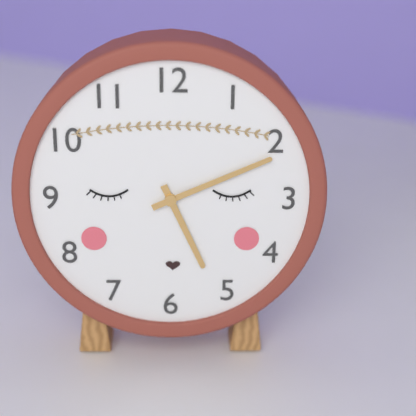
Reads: 5:11
